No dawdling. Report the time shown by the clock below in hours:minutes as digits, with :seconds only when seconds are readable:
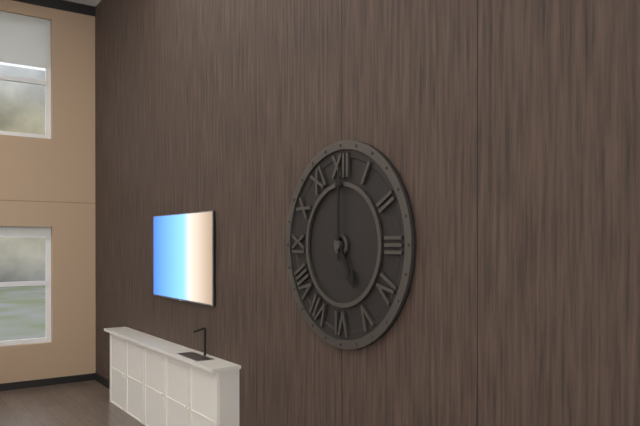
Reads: 5:00
